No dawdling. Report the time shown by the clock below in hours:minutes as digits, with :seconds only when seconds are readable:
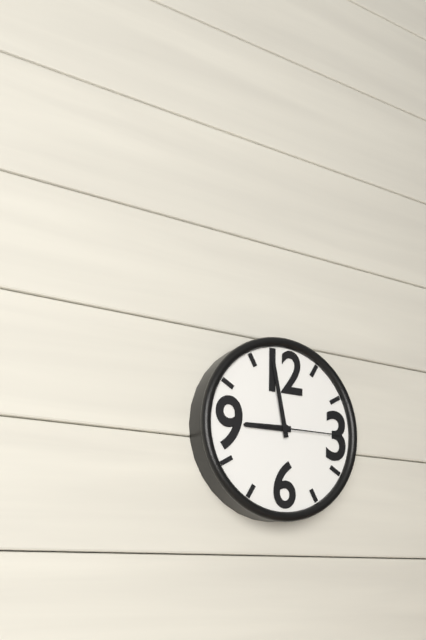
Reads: 8:58:15
